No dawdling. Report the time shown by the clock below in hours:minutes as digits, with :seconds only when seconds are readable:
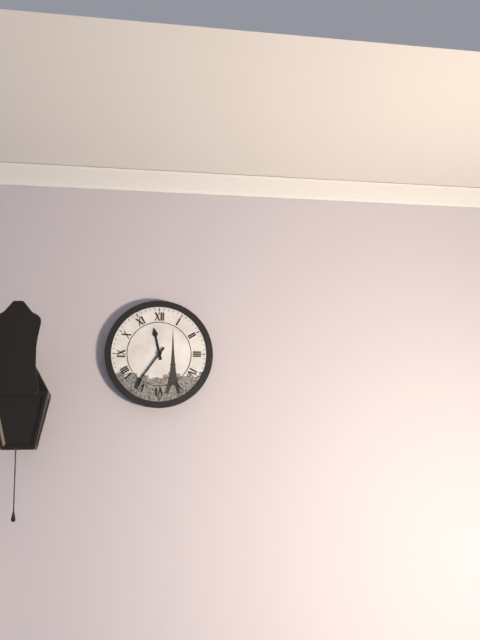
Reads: 11:36
